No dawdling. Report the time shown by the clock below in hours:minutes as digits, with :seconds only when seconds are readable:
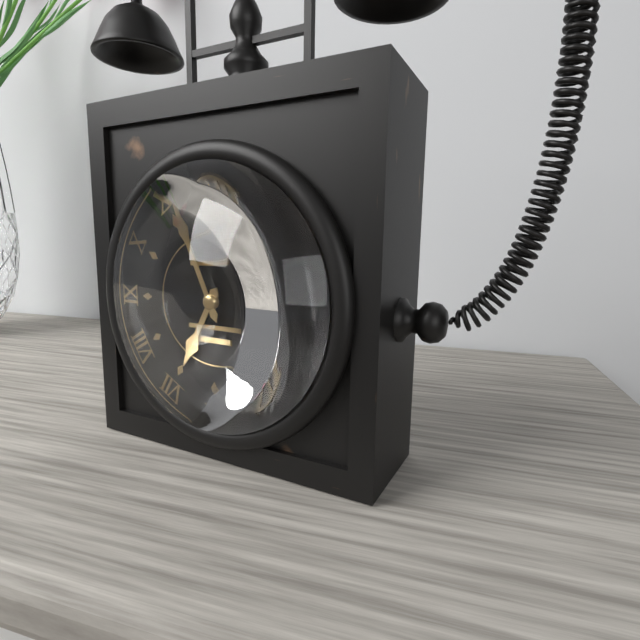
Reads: 6:56
